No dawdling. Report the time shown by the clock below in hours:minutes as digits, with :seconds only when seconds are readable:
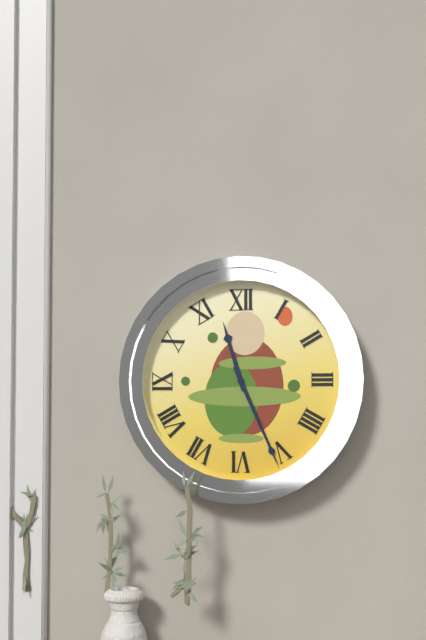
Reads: 11:26
